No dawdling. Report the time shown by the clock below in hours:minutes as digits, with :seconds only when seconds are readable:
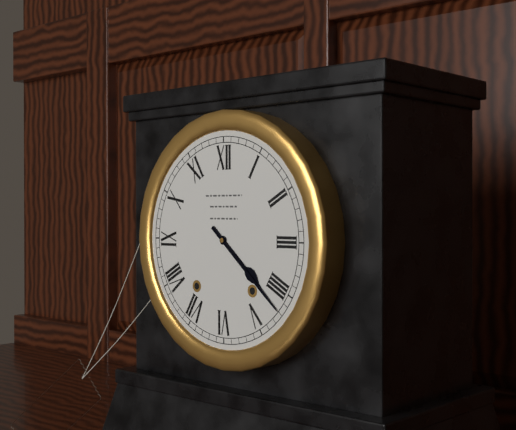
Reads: 4:22
